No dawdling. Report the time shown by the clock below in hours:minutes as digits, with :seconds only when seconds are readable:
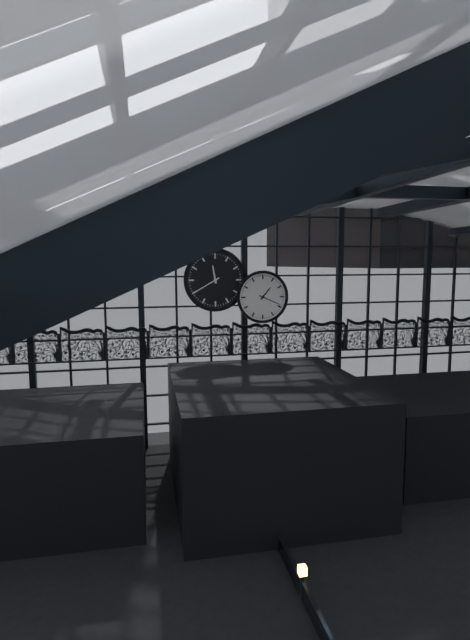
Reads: 1:19
